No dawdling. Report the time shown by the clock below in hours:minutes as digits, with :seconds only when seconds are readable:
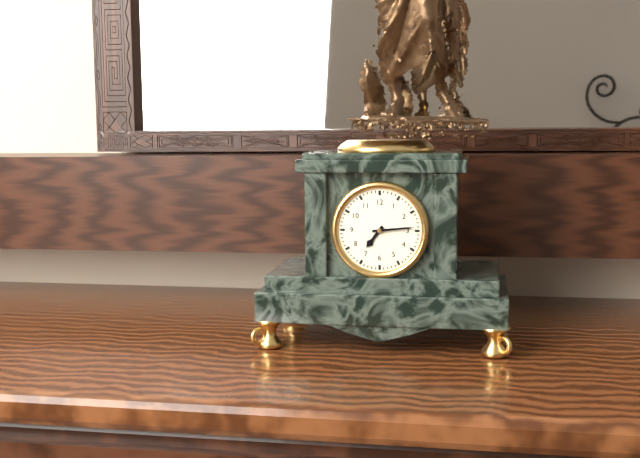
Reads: 7:14
